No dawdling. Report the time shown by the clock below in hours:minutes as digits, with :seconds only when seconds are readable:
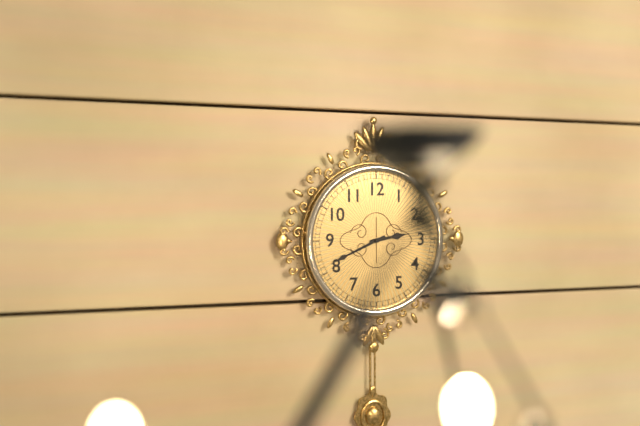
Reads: 2:41
